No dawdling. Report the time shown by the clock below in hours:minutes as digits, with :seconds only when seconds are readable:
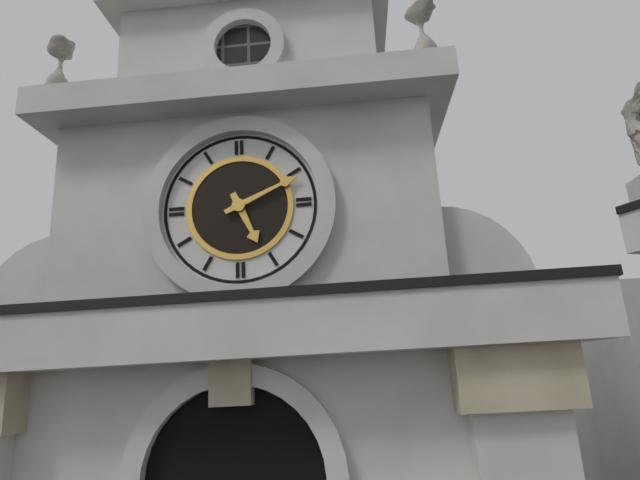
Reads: 5:11
